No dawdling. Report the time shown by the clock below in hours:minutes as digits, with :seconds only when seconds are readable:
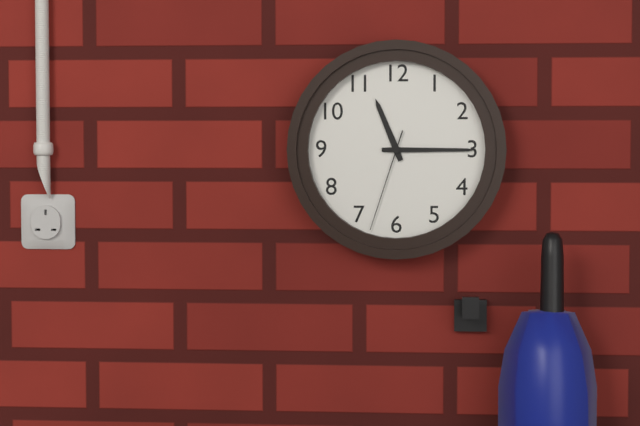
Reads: 11:15:33
